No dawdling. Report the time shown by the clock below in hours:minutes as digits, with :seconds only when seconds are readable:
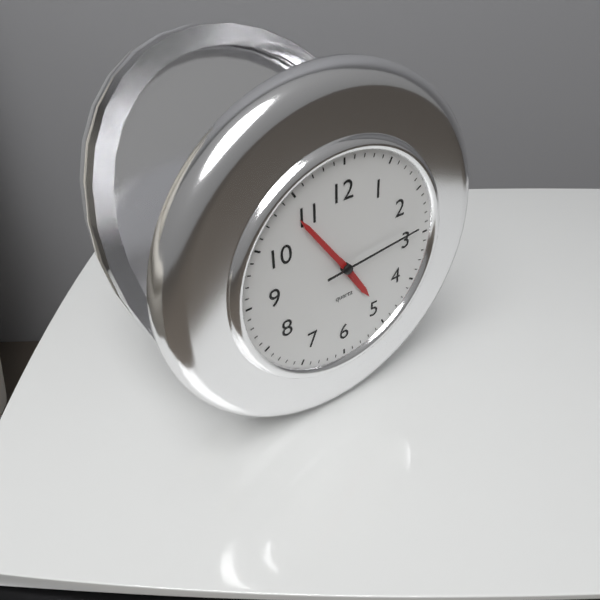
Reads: 4:54:14
